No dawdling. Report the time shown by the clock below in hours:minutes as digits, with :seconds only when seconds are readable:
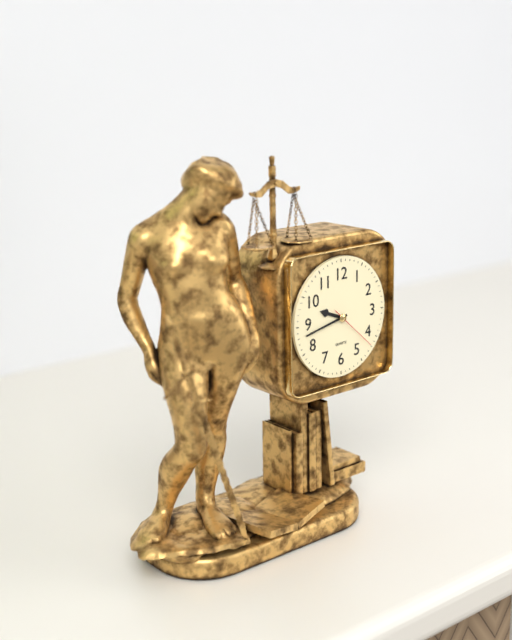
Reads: 9:43
